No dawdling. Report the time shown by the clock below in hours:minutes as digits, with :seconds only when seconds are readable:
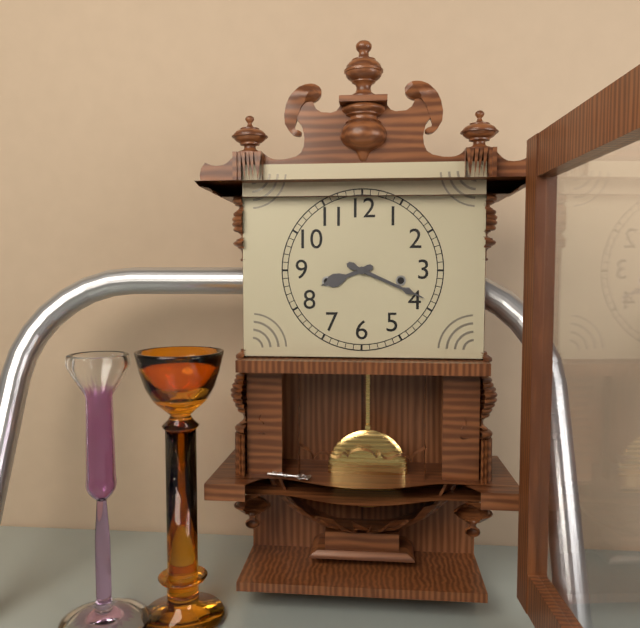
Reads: 8:19
